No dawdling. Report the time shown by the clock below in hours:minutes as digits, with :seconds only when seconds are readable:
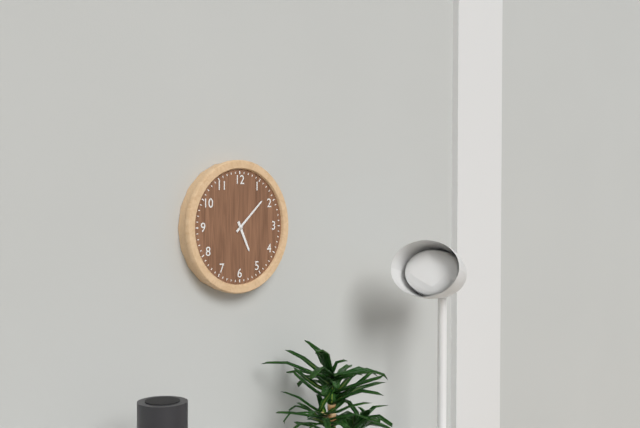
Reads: 5:08
